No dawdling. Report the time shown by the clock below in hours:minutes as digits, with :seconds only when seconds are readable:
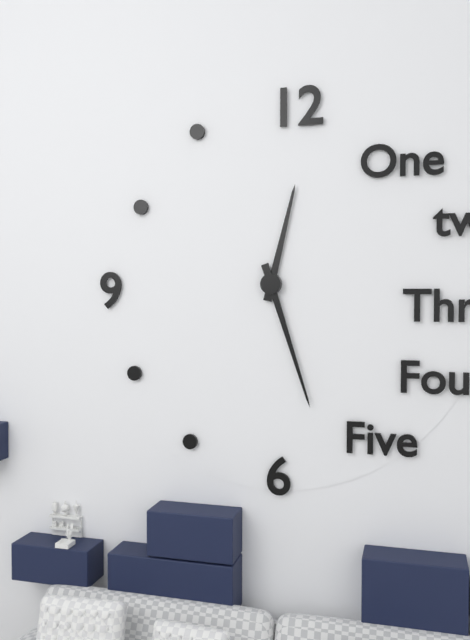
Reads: 12:27
